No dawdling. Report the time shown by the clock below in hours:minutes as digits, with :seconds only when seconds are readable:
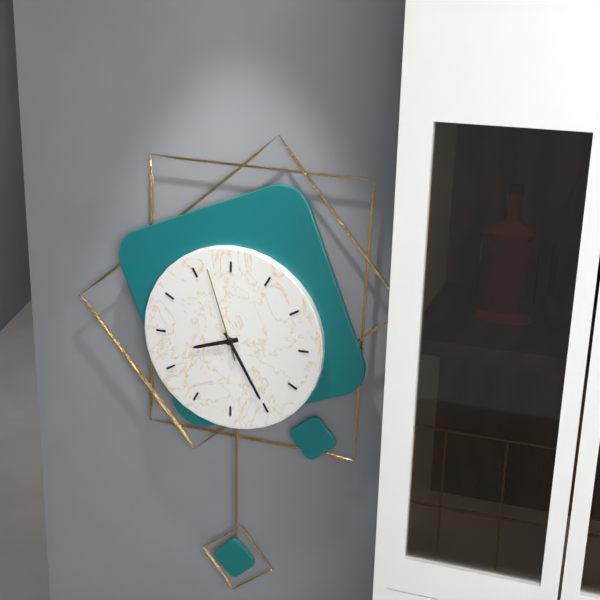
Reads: 8:25:57
